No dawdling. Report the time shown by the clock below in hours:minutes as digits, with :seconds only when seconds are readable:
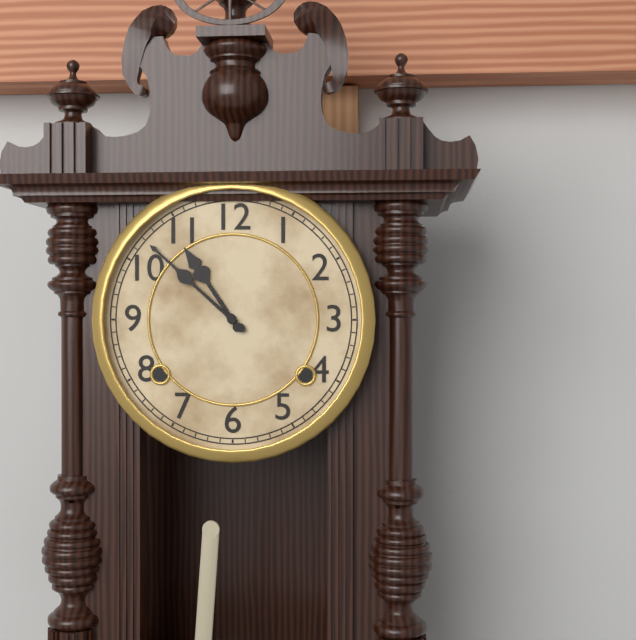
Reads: 10:52
